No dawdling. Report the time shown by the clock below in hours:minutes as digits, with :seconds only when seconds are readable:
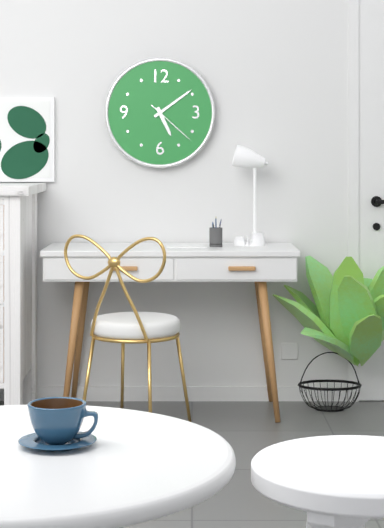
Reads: 5:09:22
